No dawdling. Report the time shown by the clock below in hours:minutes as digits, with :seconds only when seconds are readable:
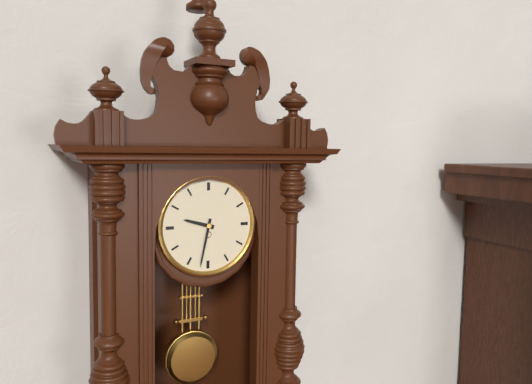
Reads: 9:32
